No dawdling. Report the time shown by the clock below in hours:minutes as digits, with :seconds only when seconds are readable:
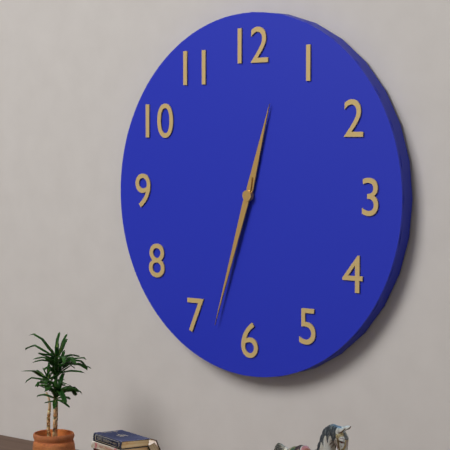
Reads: 12:33
